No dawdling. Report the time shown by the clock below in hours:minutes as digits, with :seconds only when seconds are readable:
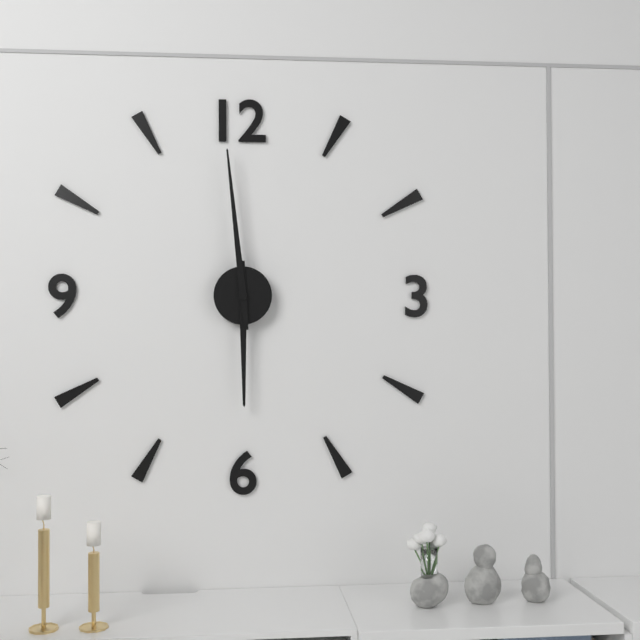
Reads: 5:59
